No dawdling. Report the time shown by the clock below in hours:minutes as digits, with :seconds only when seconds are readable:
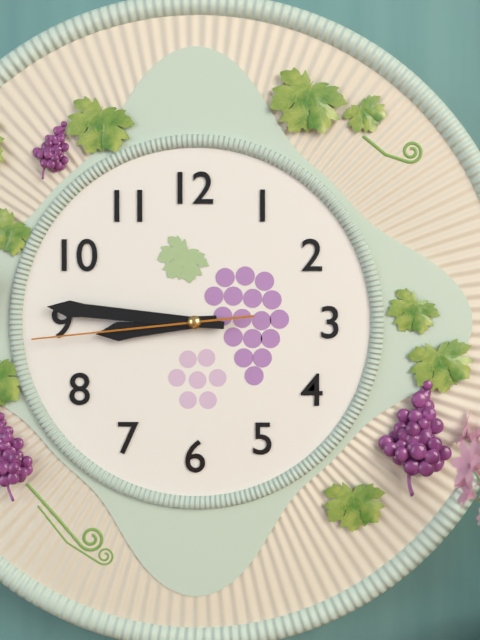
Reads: 8:46:44
